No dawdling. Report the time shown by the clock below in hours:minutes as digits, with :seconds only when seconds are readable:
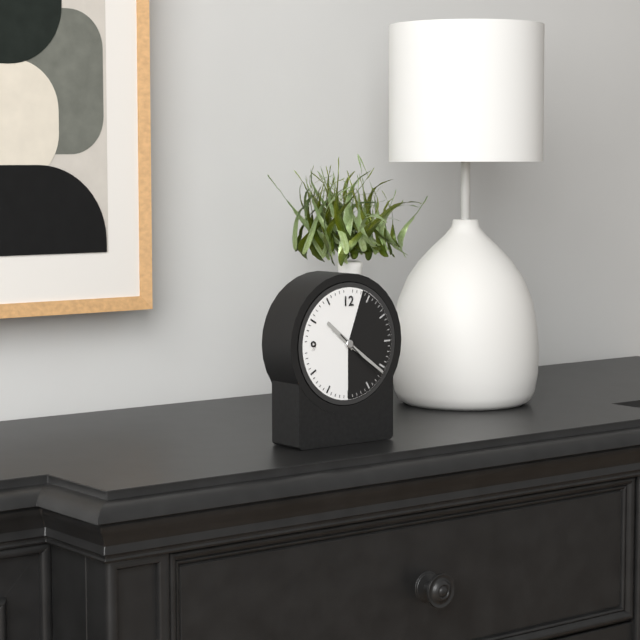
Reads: 10:21:22
